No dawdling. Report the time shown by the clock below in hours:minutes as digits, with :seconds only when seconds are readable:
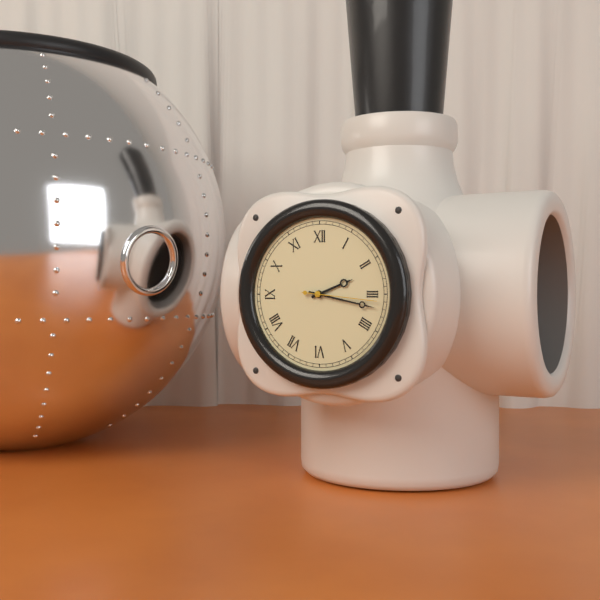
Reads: 2:17:16
